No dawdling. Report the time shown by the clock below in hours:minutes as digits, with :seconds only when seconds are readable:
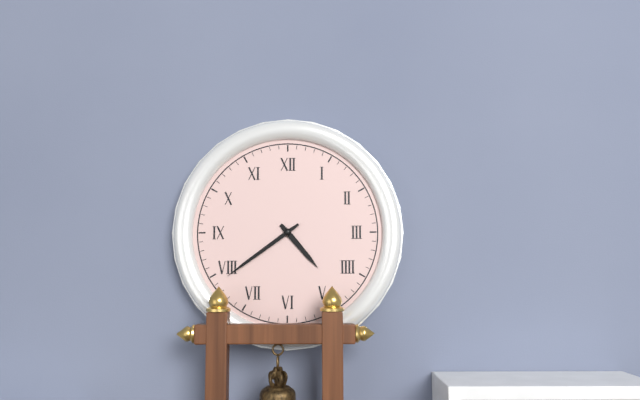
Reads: 4:39
